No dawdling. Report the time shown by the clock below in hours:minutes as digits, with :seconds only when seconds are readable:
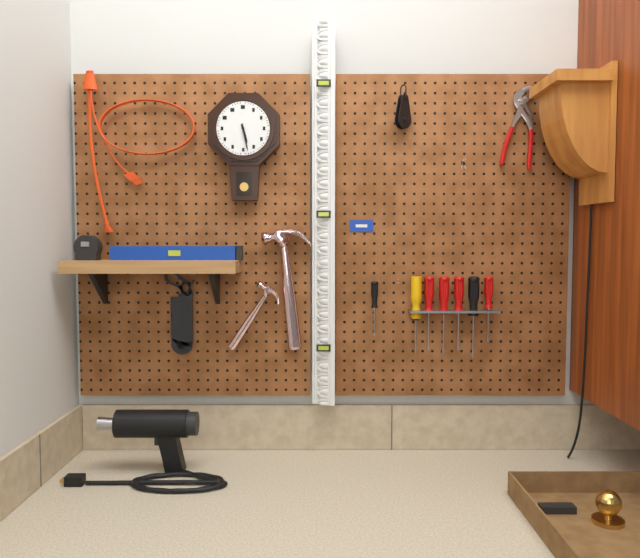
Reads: 5:28
